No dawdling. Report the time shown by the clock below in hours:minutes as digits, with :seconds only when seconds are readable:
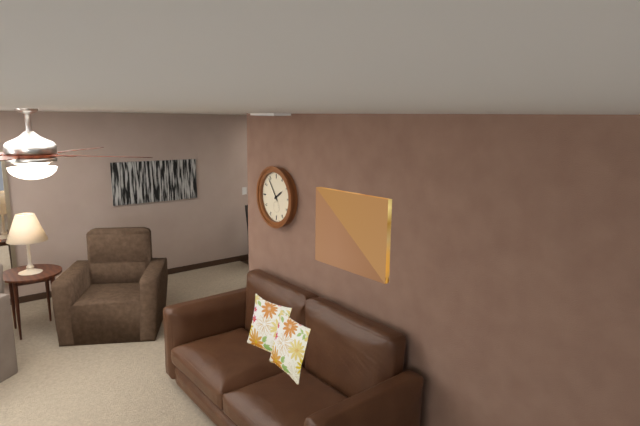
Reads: 1:54
